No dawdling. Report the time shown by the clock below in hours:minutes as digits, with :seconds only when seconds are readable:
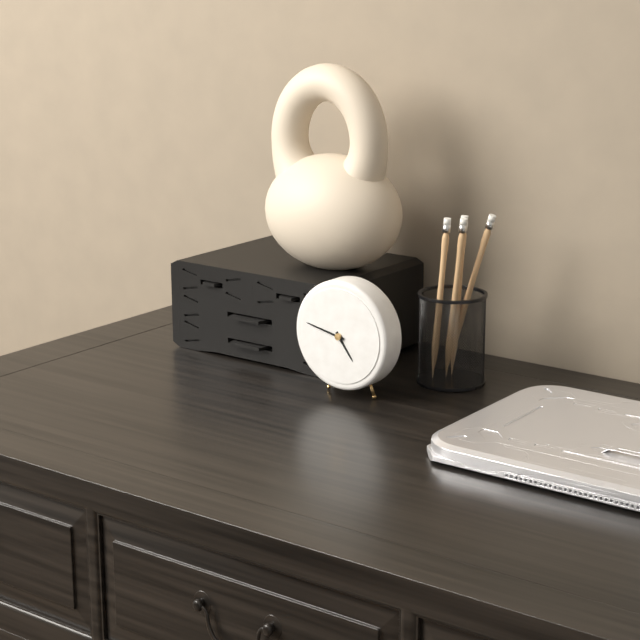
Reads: 4:47
